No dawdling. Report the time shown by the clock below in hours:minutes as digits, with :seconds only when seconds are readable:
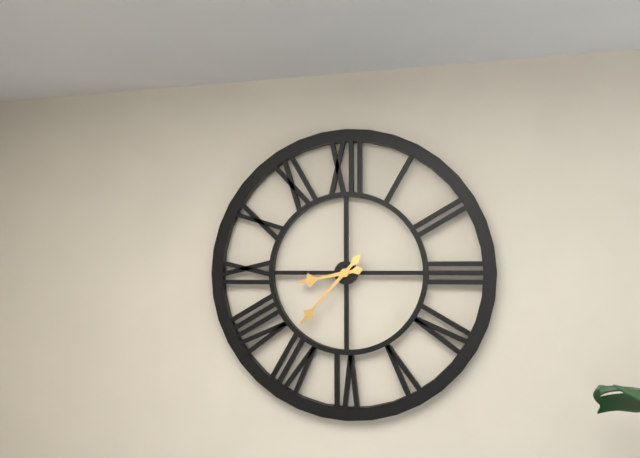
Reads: 8:37
